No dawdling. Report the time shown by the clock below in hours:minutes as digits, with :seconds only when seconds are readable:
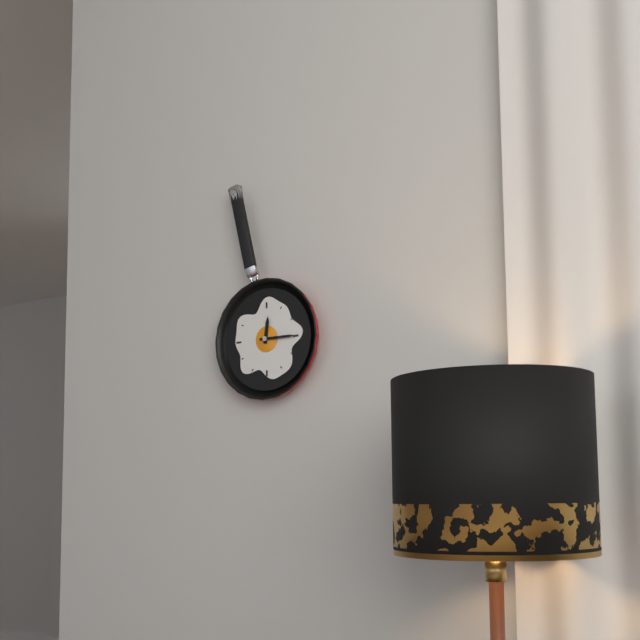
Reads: 12:15
